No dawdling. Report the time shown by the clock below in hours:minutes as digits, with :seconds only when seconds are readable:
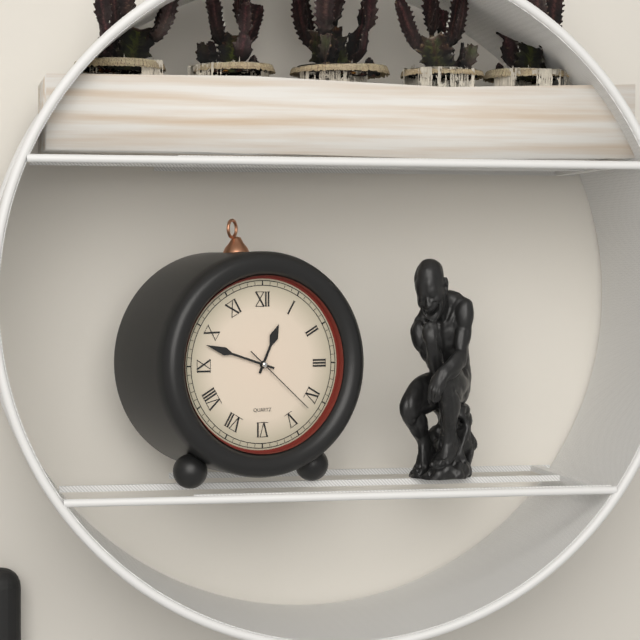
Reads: 12:48:22
